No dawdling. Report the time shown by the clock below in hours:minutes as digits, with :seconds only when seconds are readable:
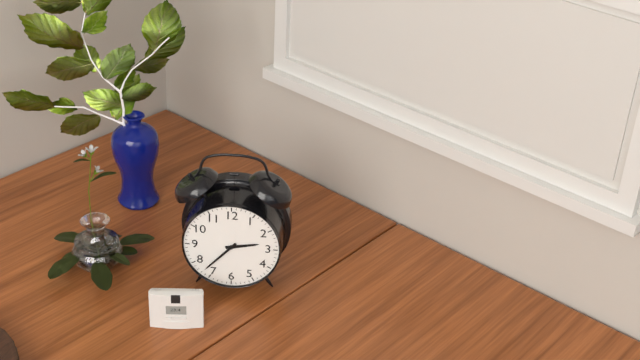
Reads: 2:37
